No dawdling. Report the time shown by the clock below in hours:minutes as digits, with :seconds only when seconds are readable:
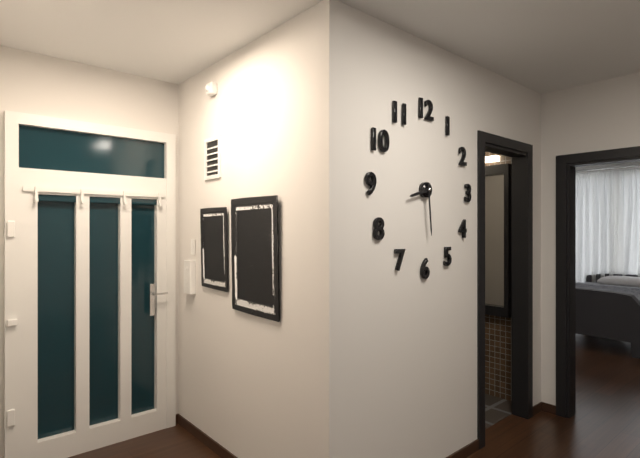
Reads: 8:29
